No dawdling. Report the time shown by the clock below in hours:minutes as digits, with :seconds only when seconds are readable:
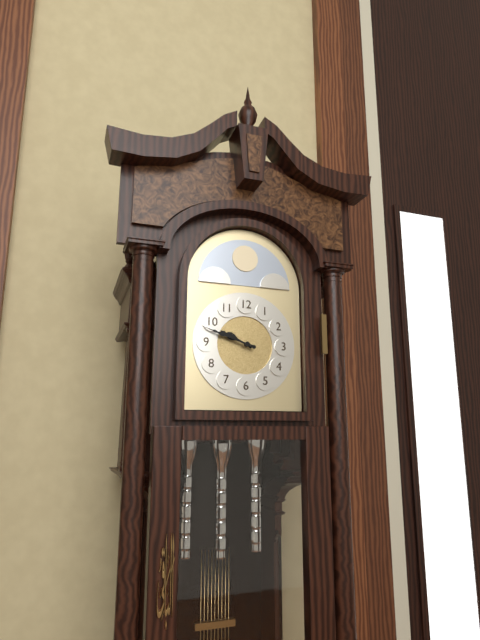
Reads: 9:48
